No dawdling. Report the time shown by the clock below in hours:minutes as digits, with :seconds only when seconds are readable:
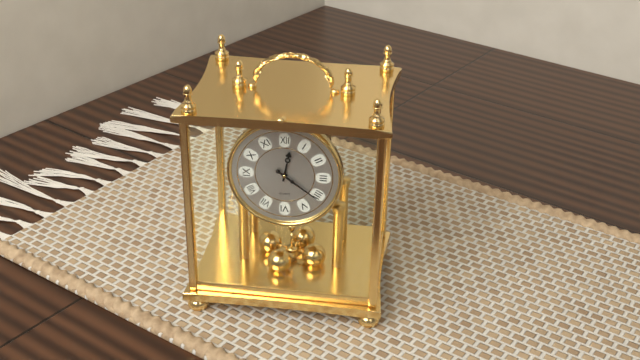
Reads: 12:21
